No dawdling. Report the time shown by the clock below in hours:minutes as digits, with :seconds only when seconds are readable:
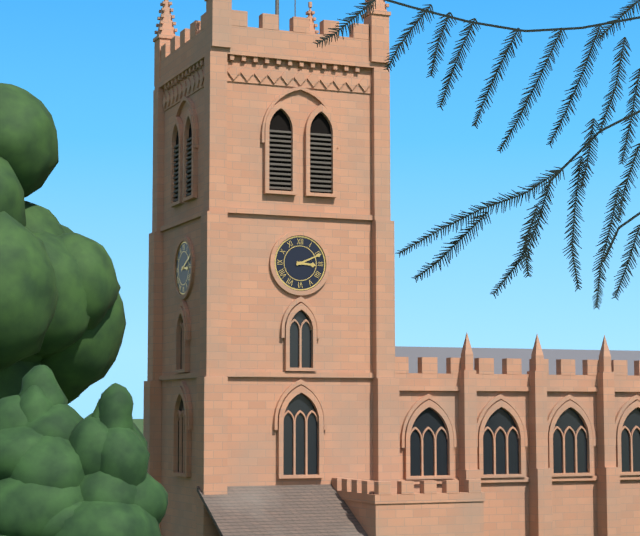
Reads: 3:11
